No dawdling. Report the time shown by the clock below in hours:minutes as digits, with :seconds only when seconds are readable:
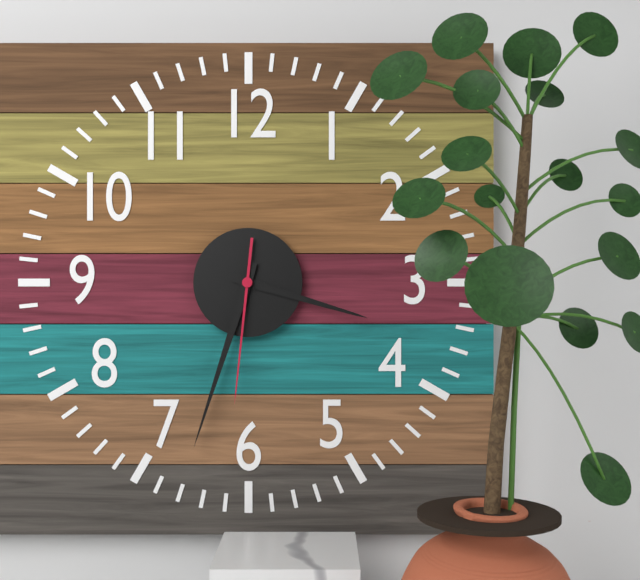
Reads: 3:33:31
